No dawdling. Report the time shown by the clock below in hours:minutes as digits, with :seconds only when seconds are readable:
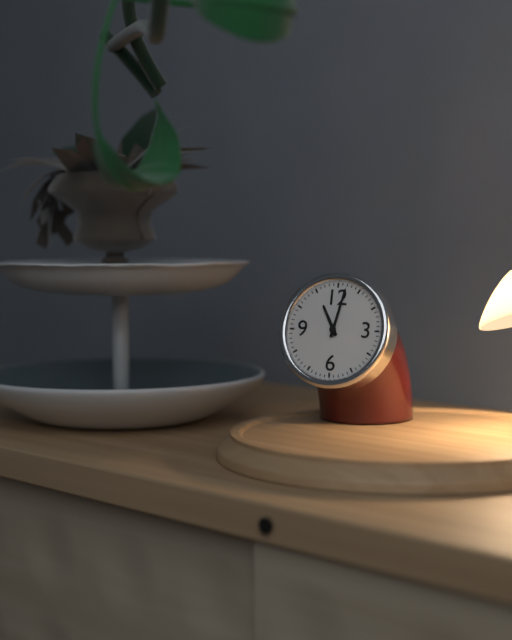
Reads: 11:02
